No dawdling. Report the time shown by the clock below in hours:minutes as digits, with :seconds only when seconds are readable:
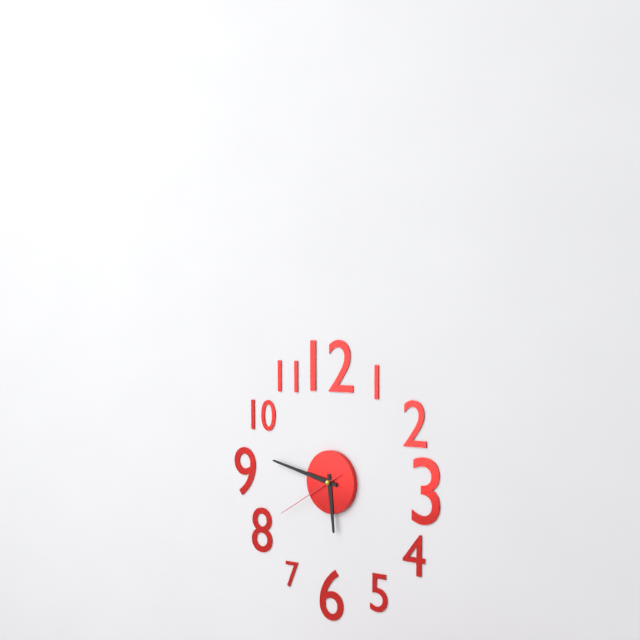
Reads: 5:47:40
